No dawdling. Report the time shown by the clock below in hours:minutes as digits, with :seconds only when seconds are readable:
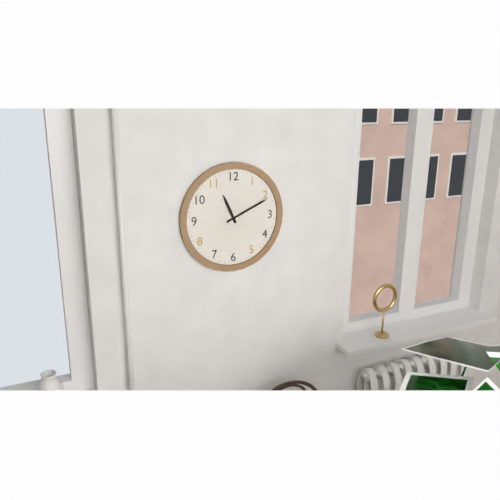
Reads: 11:11
